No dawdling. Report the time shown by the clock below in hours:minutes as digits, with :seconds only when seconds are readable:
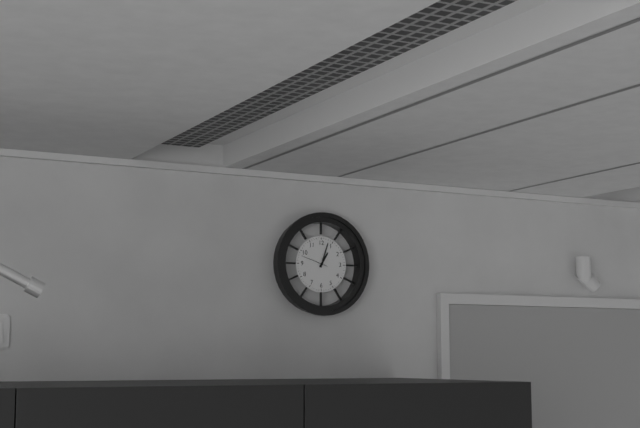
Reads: 1:03
